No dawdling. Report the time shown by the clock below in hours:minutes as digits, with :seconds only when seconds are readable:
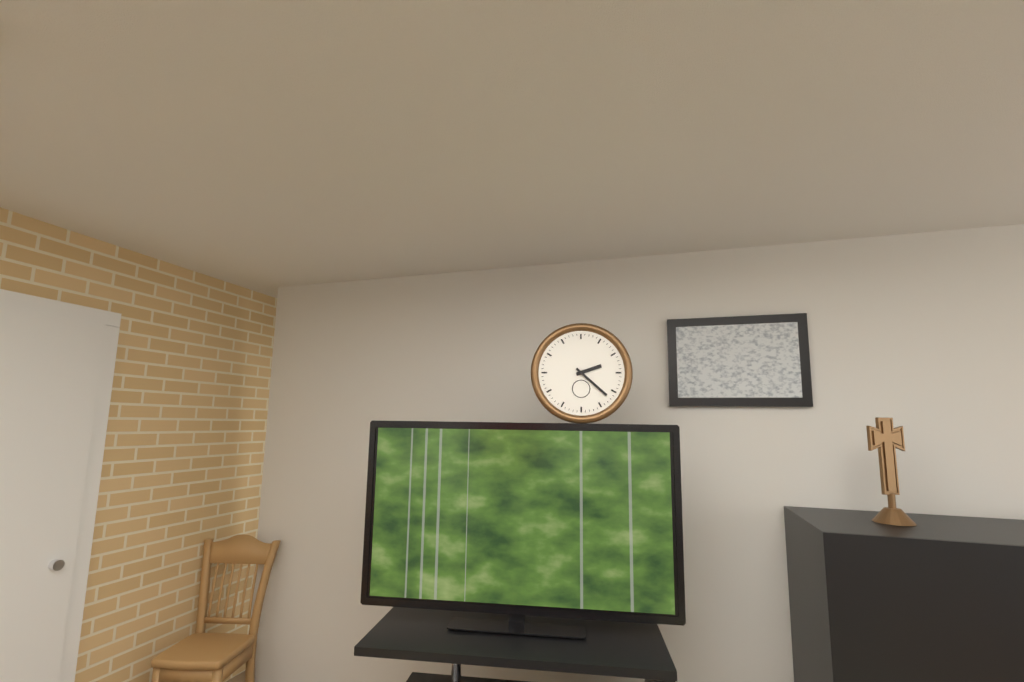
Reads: 2:22
